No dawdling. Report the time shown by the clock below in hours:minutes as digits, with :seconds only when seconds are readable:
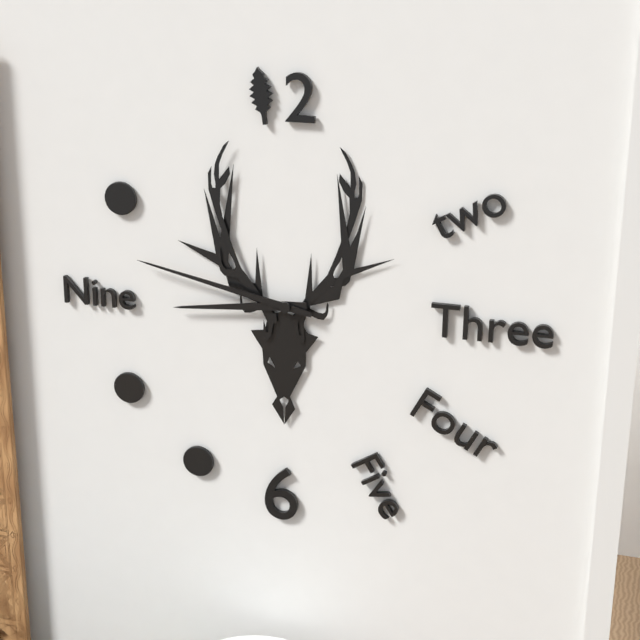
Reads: 8:47
